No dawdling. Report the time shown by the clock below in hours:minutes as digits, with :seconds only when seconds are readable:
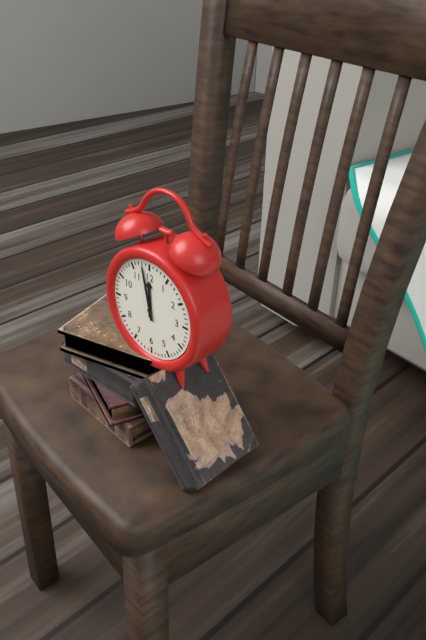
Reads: 11:58
